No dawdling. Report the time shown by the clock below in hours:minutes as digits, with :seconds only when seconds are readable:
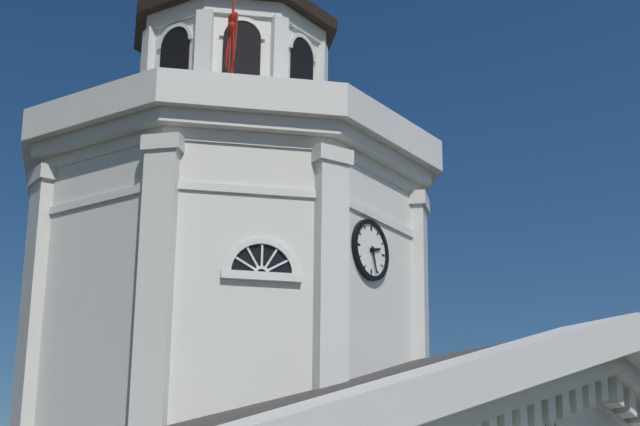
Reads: 2:27
